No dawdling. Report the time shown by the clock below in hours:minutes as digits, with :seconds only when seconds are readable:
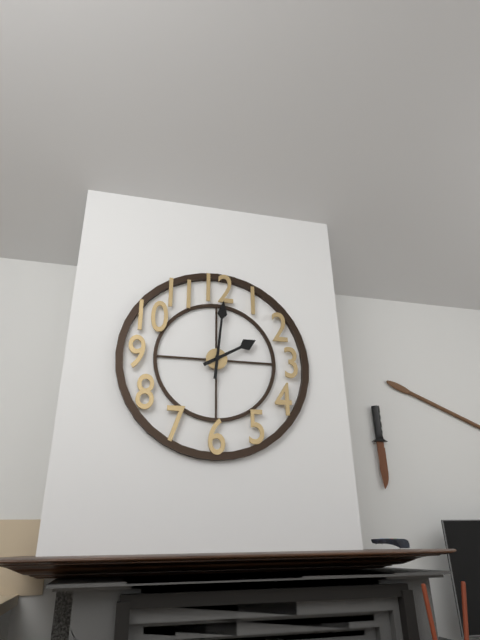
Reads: 2:01
